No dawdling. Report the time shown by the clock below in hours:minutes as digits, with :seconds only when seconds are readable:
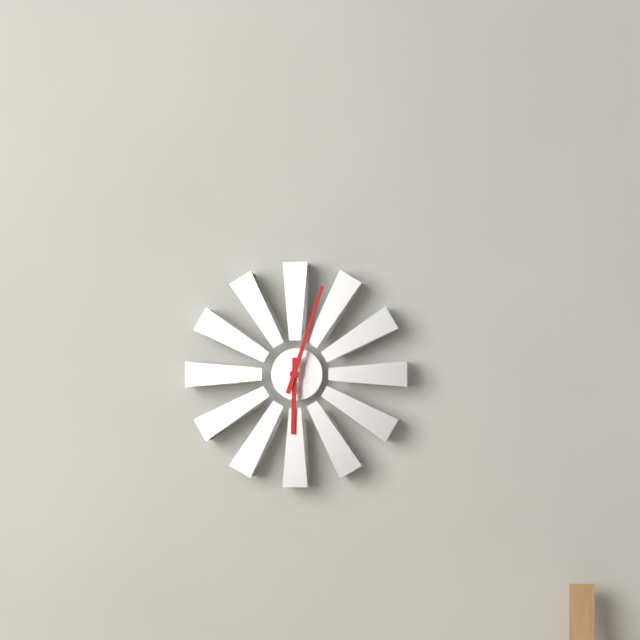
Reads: 6:03
